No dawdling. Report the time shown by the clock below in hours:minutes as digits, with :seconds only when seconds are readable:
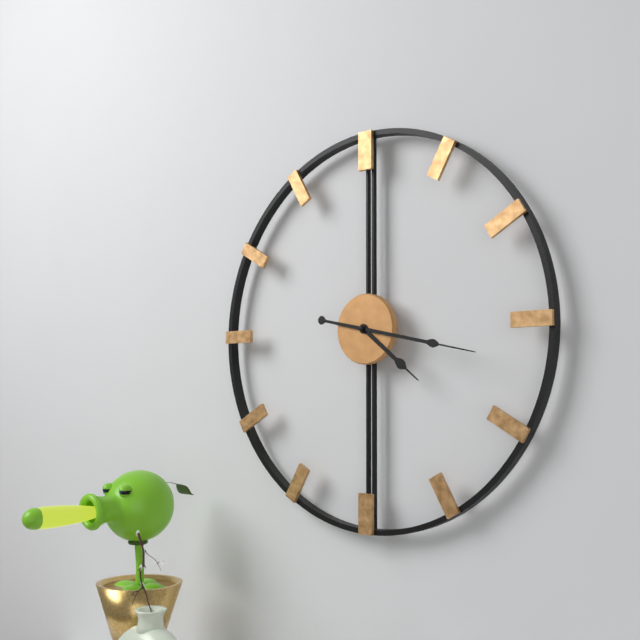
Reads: 4:17
